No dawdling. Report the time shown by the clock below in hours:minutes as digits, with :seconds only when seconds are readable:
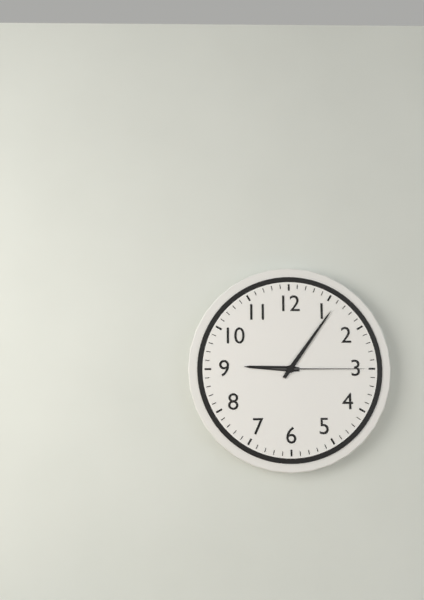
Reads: 9:06:15
